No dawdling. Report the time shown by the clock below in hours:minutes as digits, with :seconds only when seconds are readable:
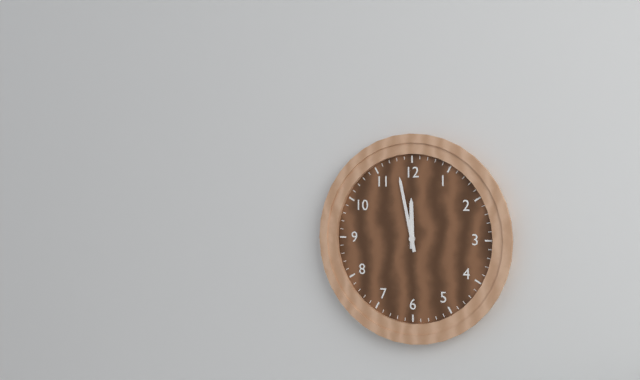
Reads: 11:58
